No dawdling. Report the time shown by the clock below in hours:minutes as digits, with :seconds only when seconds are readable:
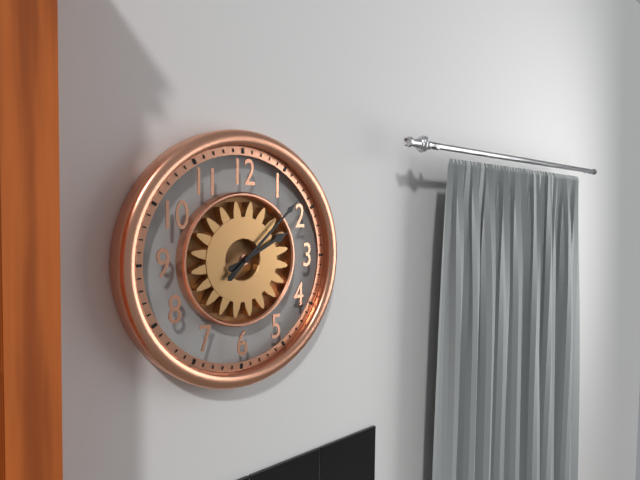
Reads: 2:08
